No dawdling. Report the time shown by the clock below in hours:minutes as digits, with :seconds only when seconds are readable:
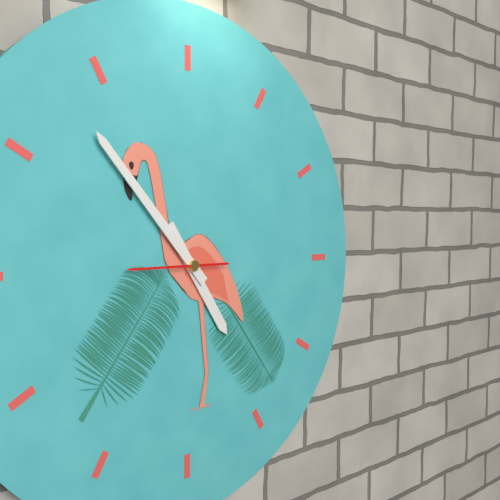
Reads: 4:53:45
